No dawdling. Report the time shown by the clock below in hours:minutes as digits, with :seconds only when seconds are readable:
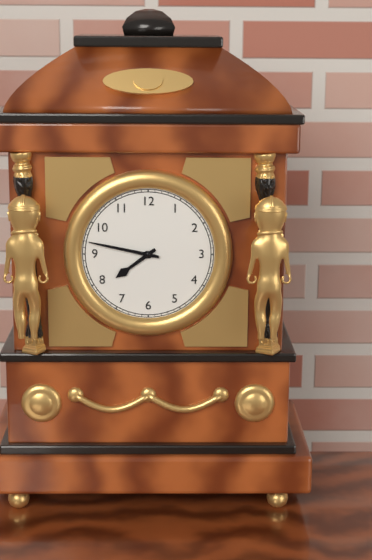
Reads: 7:47
